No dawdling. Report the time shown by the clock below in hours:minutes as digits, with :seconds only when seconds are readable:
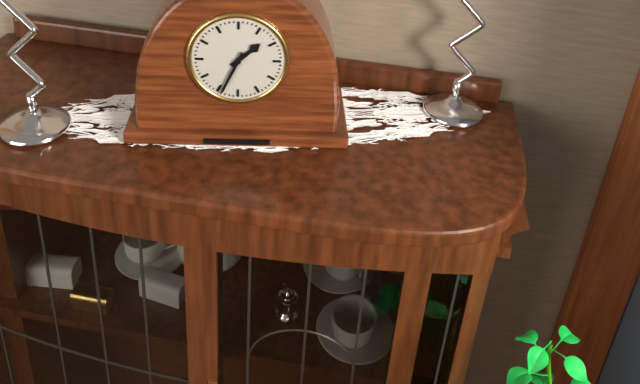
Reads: 1:34
